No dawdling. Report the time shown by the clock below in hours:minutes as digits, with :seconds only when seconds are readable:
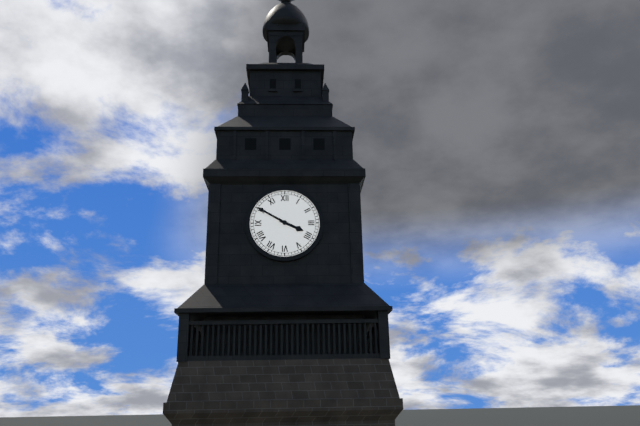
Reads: 3:50
